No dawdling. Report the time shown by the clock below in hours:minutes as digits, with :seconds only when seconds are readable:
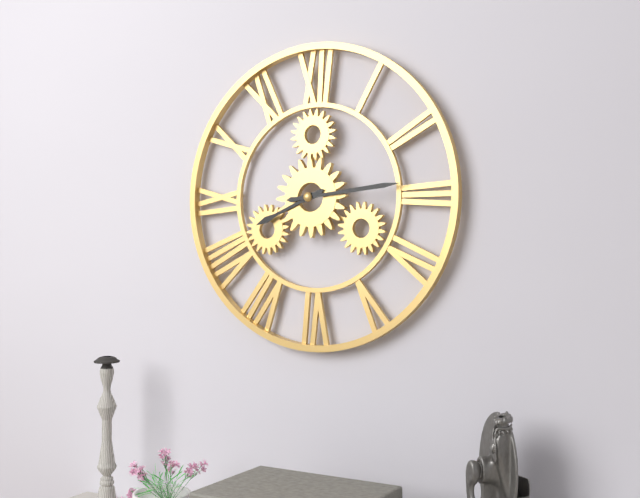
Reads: 8:14
